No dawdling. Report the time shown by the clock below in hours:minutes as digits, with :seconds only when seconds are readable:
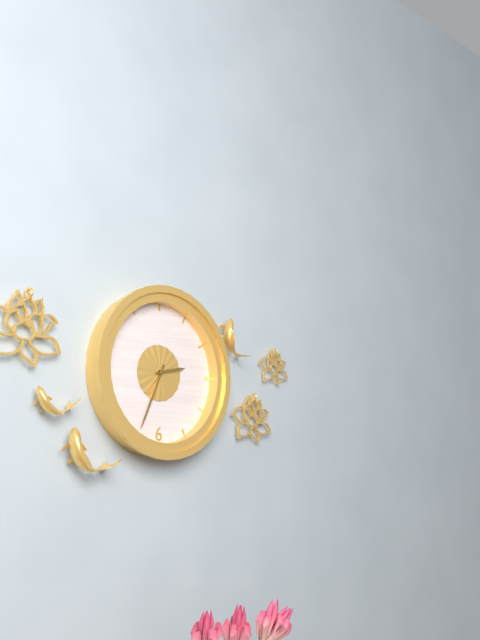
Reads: 2:34
